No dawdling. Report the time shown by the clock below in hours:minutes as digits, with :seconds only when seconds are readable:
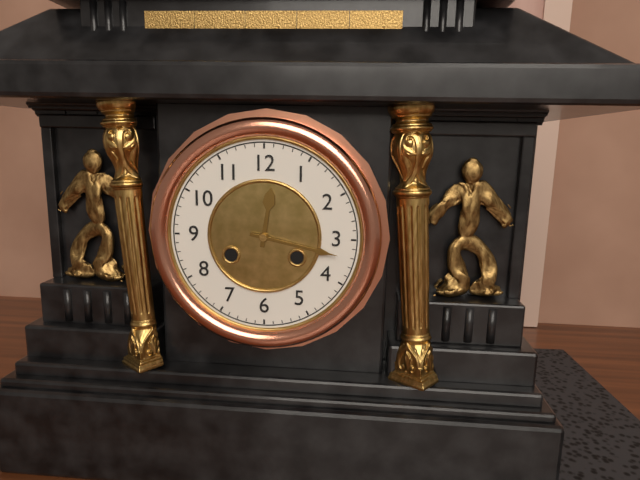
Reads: 12:17
